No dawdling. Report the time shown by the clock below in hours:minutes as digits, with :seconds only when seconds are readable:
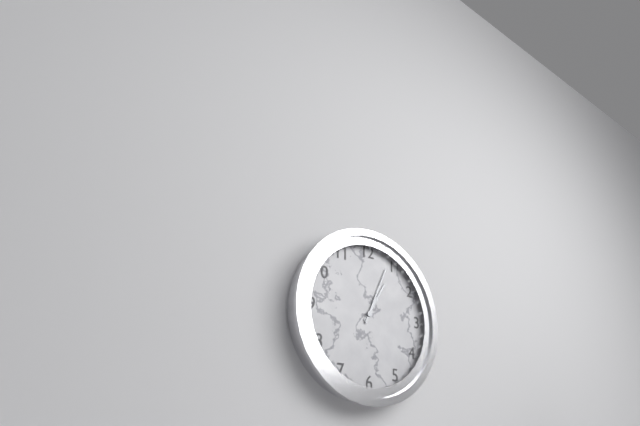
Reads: 1:04
